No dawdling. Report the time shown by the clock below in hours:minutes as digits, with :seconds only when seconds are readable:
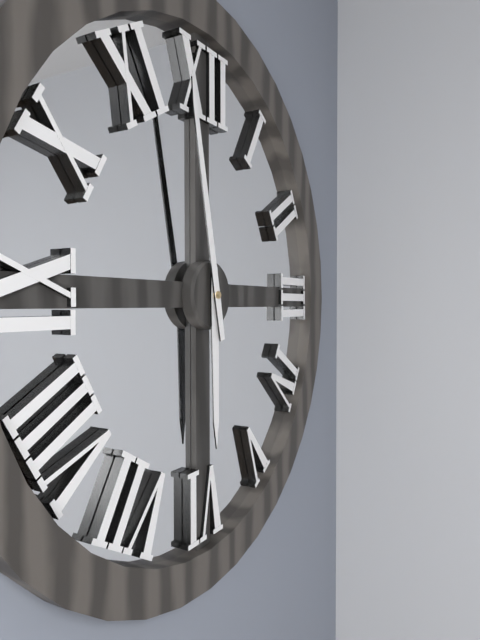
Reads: 5:58
